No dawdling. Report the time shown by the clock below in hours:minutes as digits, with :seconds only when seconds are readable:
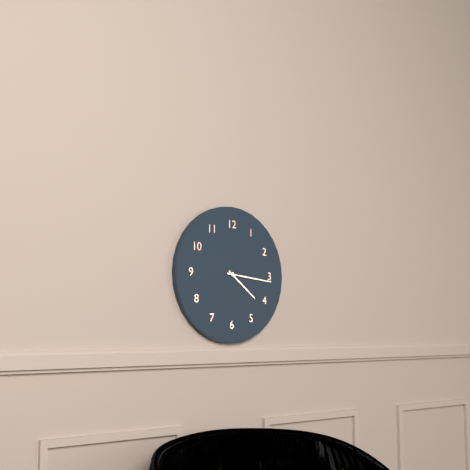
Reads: 4:16
